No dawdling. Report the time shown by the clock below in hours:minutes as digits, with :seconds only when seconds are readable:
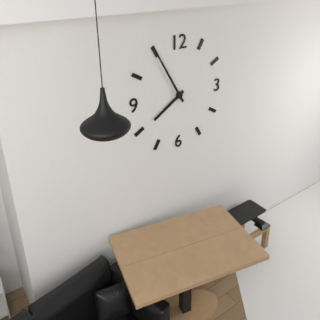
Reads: 7:55
